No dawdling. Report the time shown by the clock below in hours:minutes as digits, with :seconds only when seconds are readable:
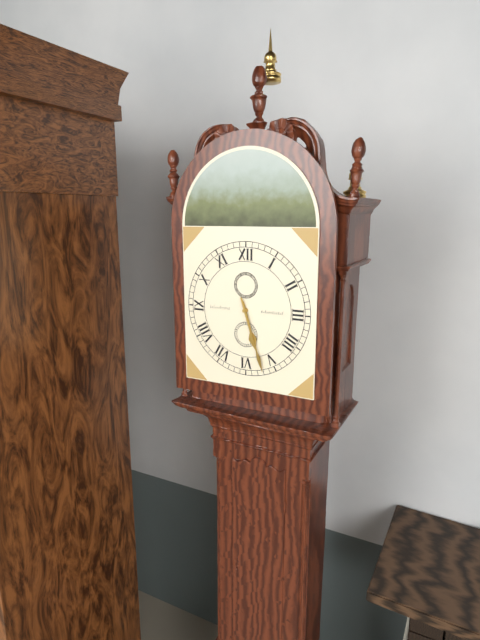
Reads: 5:27
